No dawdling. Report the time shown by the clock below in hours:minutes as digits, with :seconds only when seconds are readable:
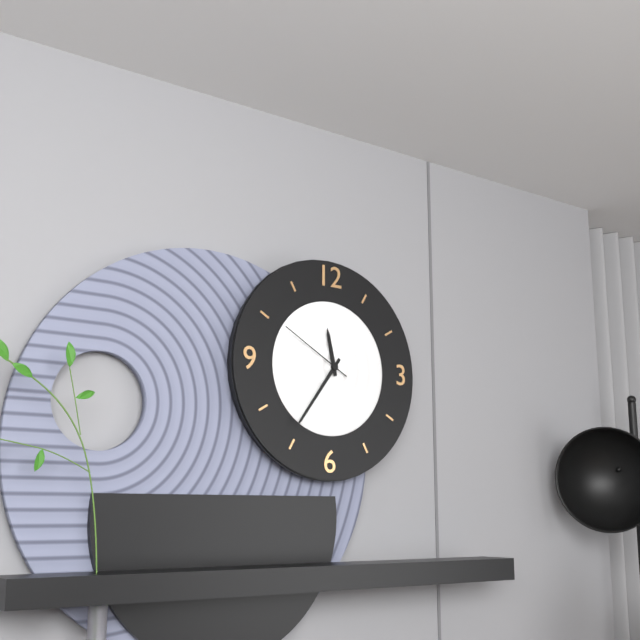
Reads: 11:36:50
